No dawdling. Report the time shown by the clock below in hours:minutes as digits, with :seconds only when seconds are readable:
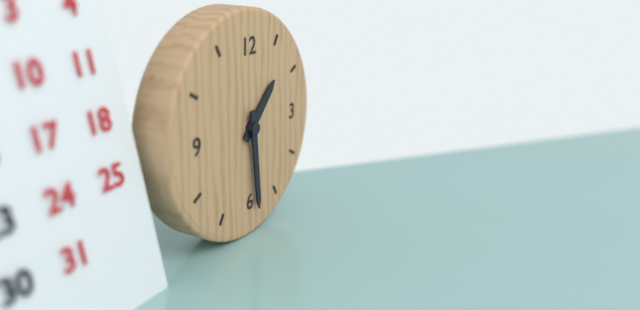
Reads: 1:29
